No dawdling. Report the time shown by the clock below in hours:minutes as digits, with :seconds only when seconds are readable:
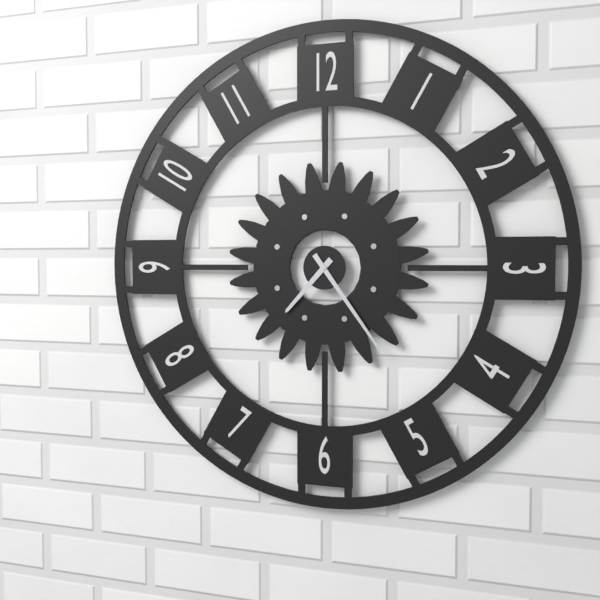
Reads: 7:24
